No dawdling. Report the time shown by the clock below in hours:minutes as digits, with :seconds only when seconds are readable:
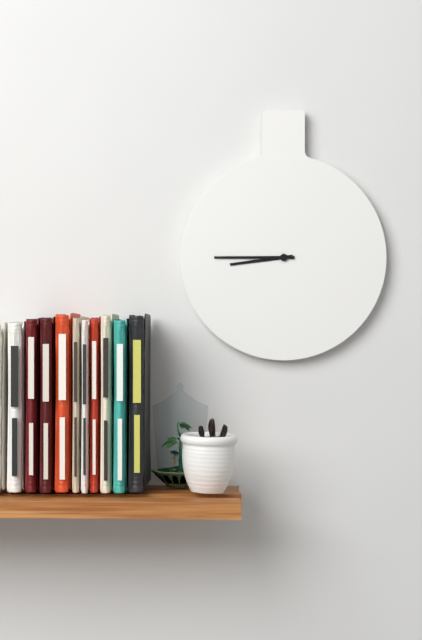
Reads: 8:45
